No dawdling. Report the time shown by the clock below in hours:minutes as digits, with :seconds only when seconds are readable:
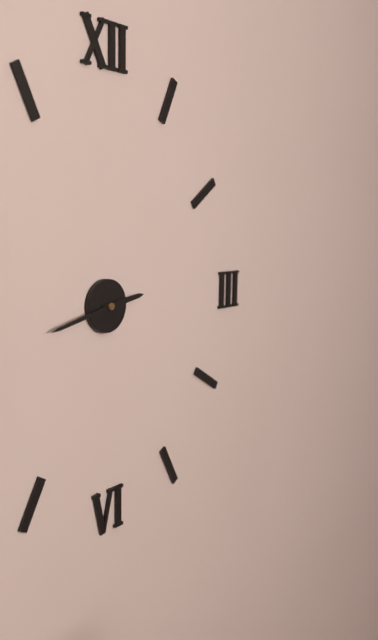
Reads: 2:43
